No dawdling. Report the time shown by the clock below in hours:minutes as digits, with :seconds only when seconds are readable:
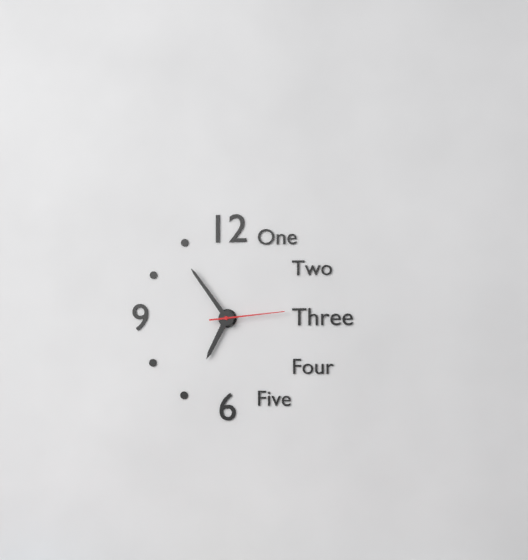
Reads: 6:54:14
